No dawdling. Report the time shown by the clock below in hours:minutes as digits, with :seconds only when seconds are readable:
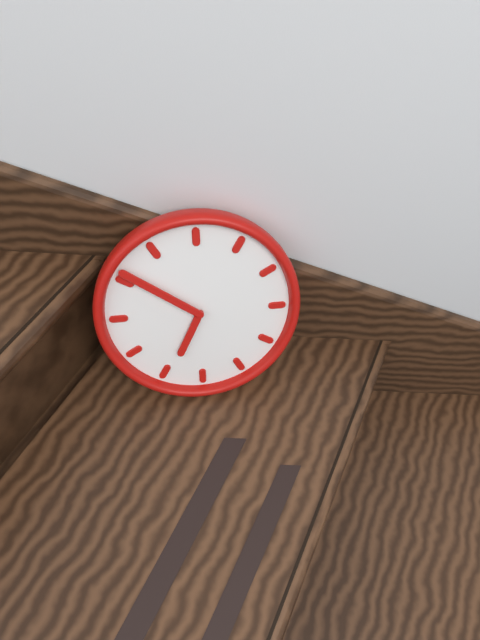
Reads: 6:51
